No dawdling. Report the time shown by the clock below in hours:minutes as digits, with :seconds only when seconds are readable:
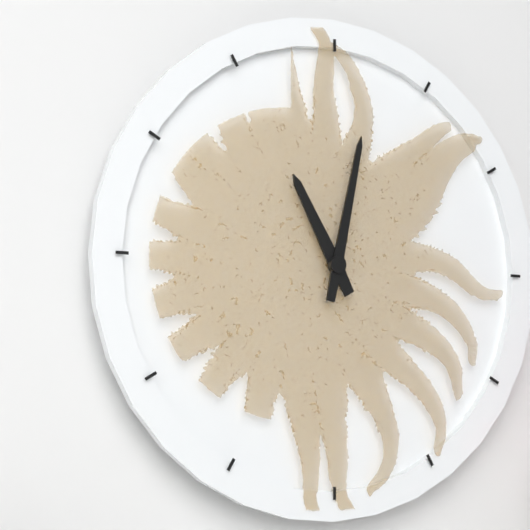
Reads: 11:02
